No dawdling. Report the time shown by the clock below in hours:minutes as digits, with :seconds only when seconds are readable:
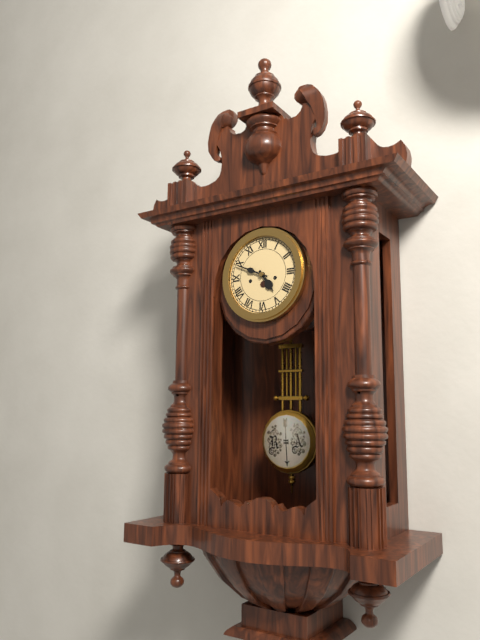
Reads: 4:49
